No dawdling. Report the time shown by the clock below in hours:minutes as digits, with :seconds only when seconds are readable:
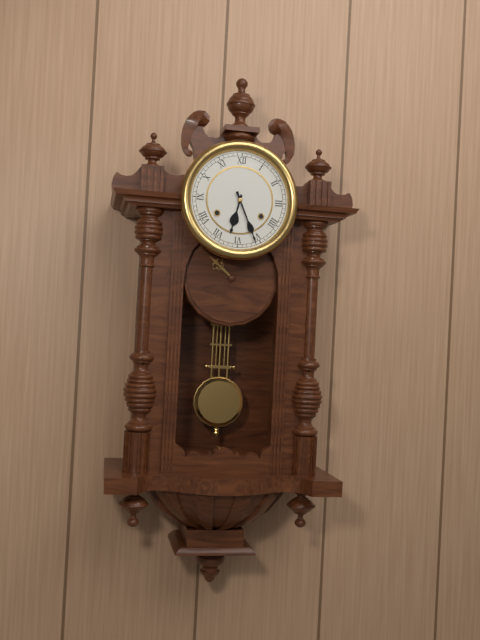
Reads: 6:26
